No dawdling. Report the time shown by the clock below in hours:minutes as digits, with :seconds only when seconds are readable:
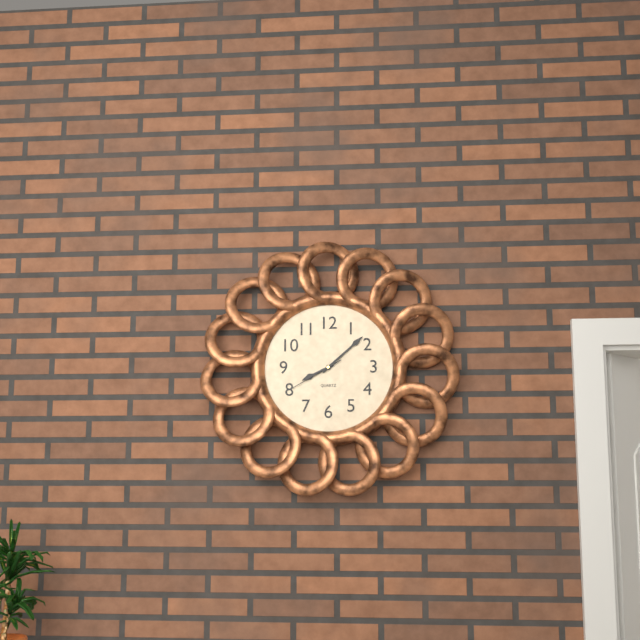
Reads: 8:08:40
